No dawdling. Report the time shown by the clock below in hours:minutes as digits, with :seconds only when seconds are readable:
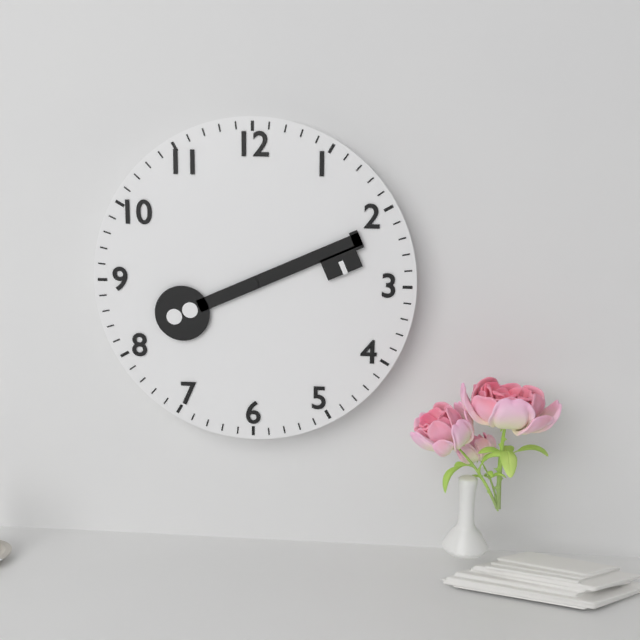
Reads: 8:11
